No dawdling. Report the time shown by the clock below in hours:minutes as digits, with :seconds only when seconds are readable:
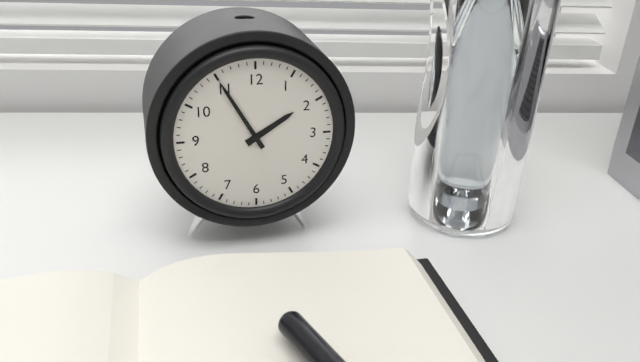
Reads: 1:55
